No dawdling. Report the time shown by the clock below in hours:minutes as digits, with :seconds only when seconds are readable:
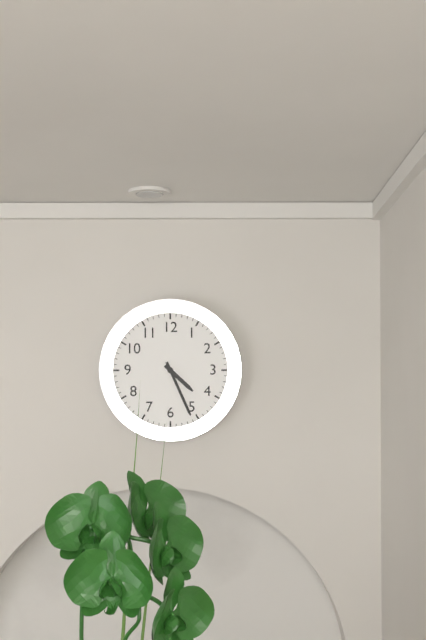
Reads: 4:26
